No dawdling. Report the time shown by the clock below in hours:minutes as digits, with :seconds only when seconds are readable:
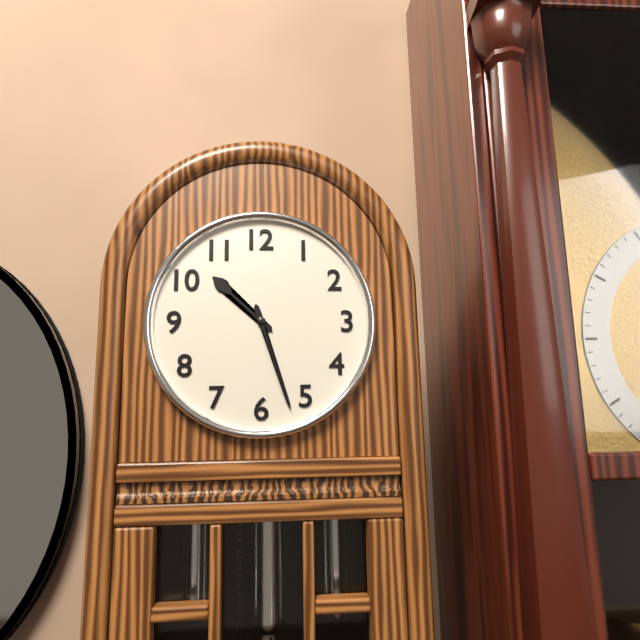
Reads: 10:27
